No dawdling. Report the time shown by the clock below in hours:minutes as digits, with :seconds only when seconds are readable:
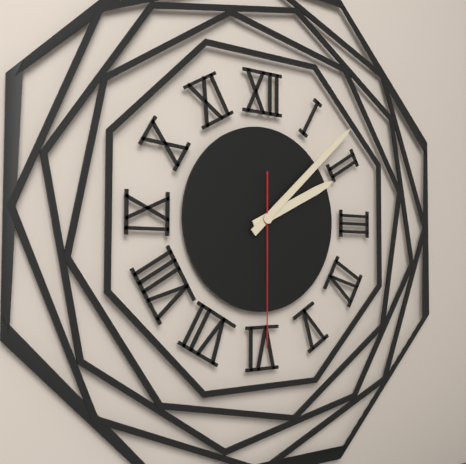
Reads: 2:08:30
